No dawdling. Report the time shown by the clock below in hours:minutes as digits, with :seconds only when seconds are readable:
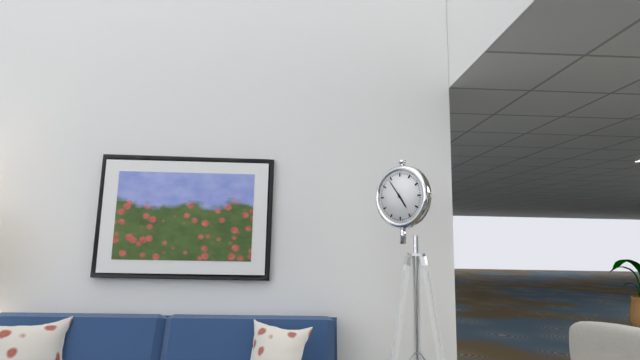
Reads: 4:54
